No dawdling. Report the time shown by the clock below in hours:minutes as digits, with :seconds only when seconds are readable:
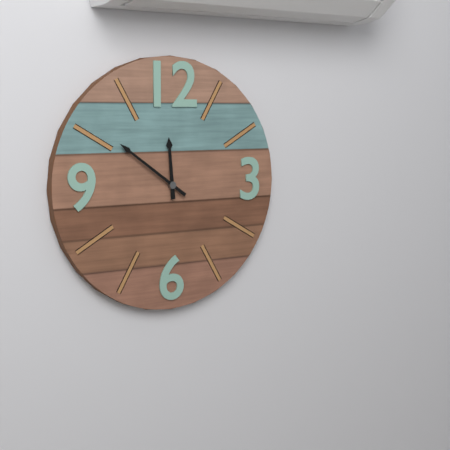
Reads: 11:51
